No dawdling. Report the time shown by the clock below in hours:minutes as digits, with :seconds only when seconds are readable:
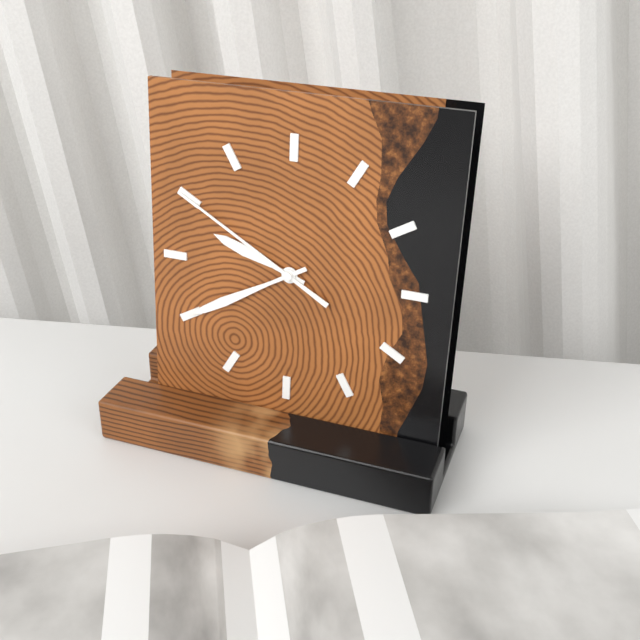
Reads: 9:40:50
